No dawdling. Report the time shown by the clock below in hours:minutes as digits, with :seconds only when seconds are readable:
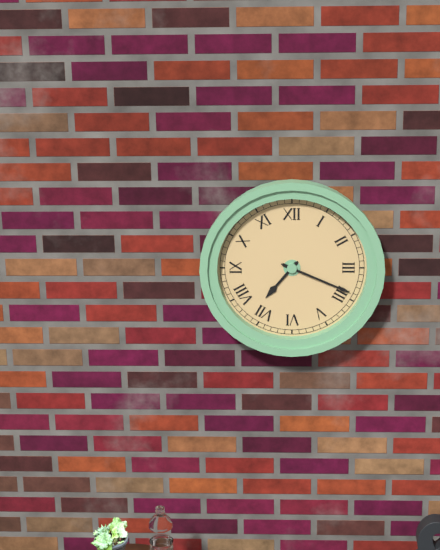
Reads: 7:19
